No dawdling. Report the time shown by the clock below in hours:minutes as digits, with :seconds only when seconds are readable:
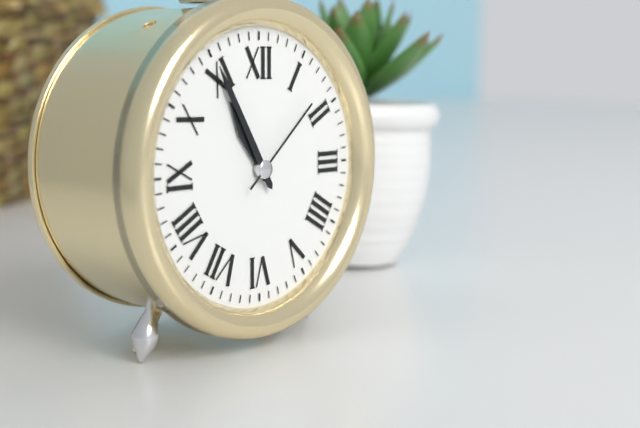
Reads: 10:55:08
